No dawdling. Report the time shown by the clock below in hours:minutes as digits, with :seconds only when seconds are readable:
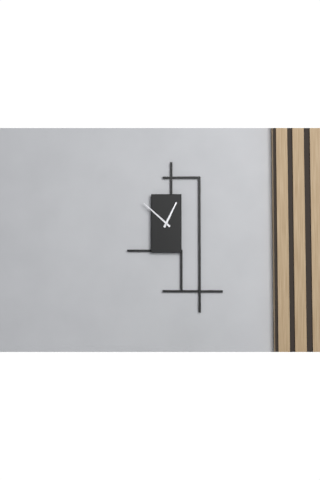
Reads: 12:52
